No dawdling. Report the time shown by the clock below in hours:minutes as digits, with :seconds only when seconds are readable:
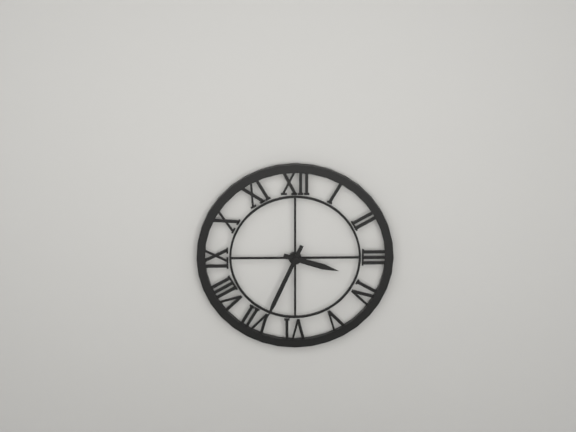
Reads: 3:34
